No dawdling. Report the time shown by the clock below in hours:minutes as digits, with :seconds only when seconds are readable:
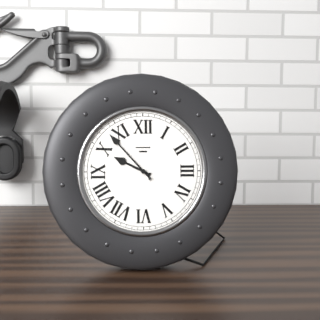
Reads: 9:53
